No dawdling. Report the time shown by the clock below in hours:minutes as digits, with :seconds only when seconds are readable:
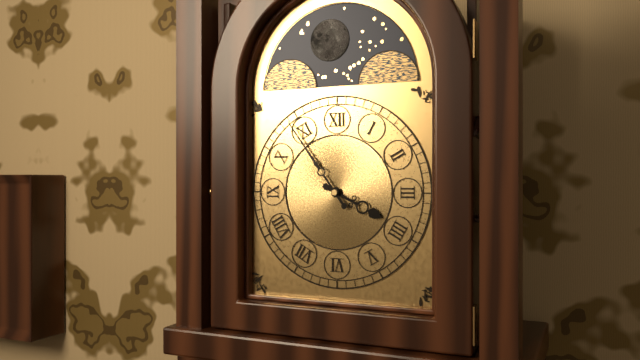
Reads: 3:54
